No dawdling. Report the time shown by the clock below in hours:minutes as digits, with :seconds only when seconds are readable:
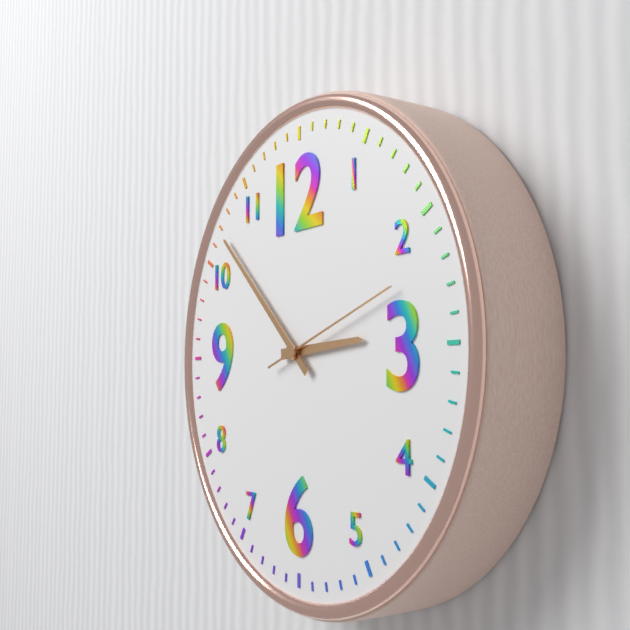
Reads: 2:52:12
